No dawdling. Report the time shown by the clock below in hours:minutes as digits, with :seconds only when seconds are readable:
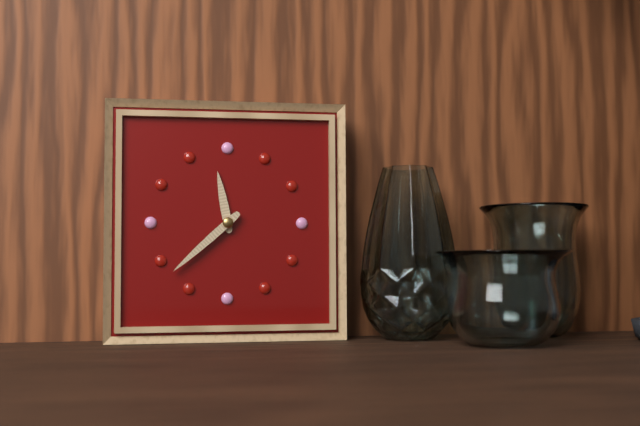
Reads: 11:38
